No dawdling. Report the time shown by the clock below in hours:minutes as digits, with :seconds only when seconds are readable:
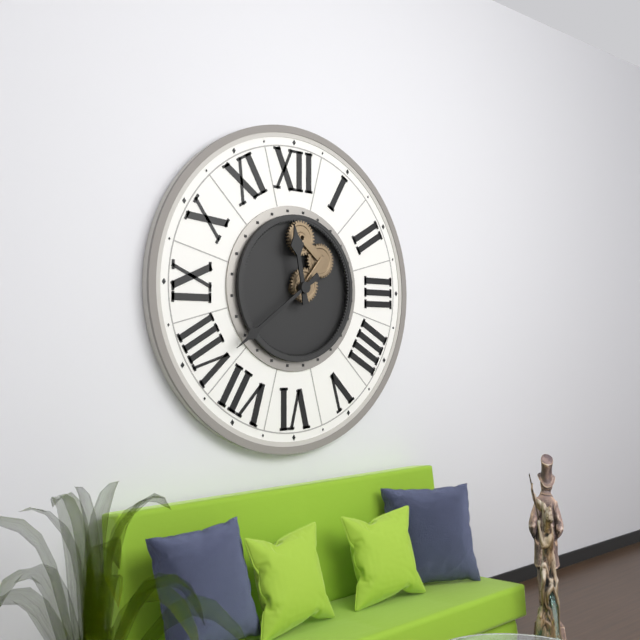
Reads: 11:39
